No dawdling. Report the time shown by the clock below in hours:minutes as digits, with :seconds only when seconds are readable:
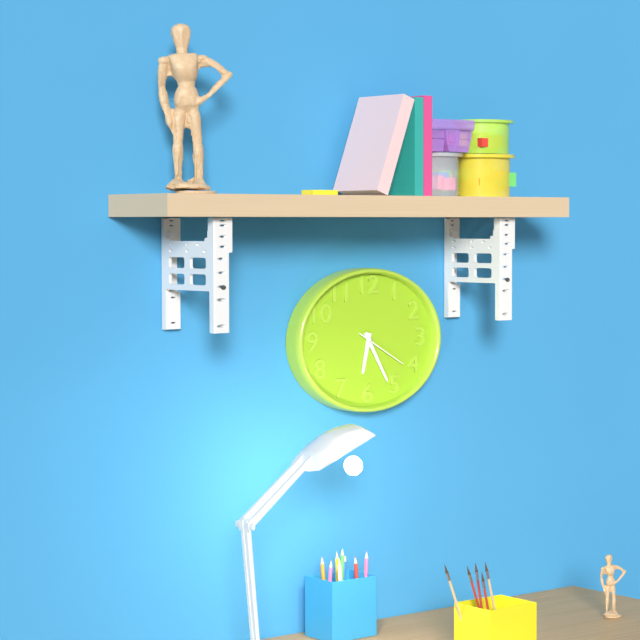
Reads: 6:25:20
